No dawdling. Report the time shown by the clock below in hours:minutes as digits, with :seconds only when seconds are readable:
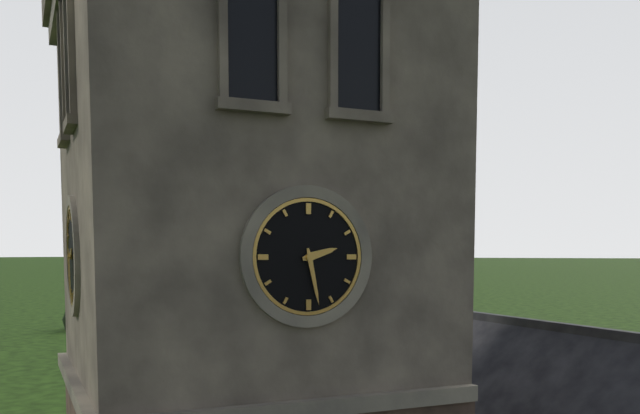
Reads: 2:28
